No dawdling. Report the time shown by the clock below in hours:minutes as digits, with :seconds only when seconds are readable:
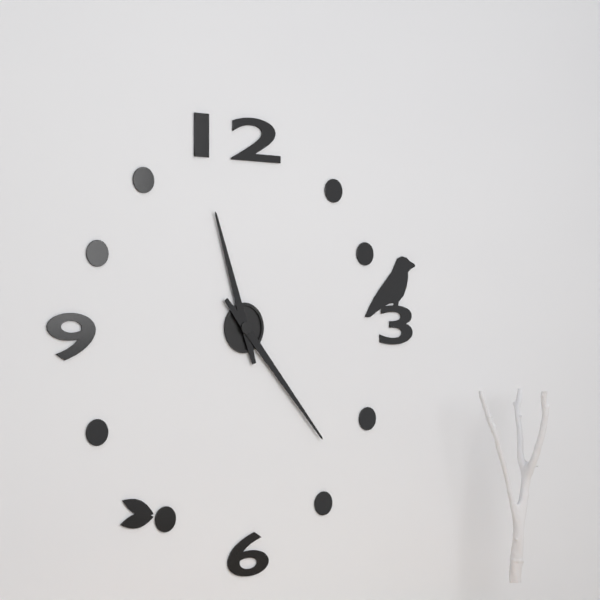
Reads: 11:23
